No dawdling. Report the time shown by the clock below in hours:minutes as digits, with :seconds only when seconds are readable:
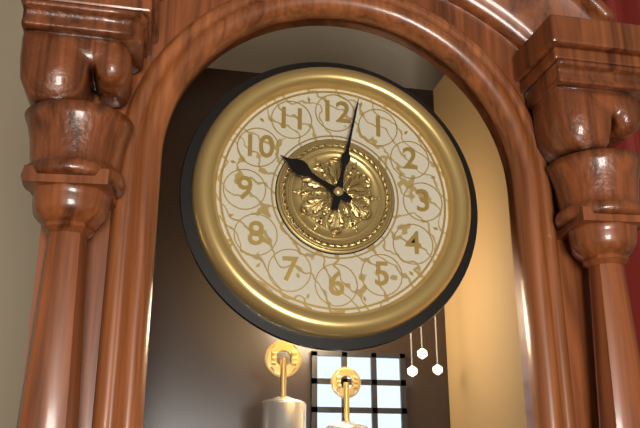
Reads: 10:02
